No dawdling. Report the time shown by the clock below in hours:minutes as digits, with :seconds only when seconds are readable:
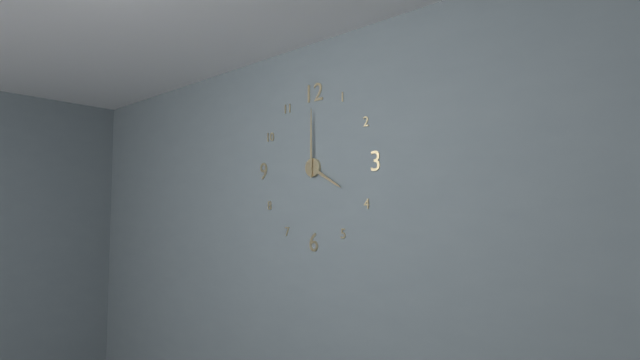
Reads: 4:00
